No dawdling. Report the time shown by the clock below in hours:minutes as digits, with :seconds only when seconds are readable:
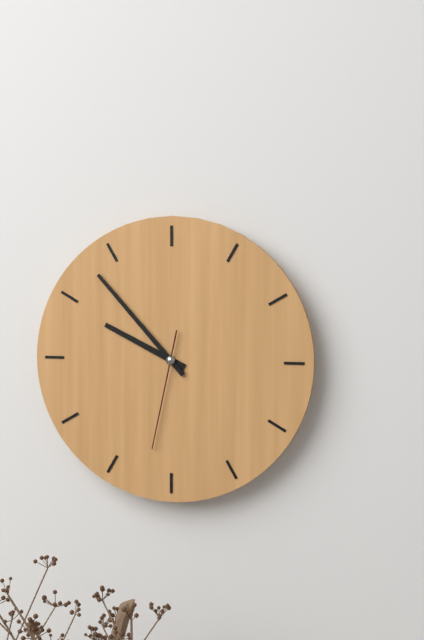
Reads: 9:53:32
